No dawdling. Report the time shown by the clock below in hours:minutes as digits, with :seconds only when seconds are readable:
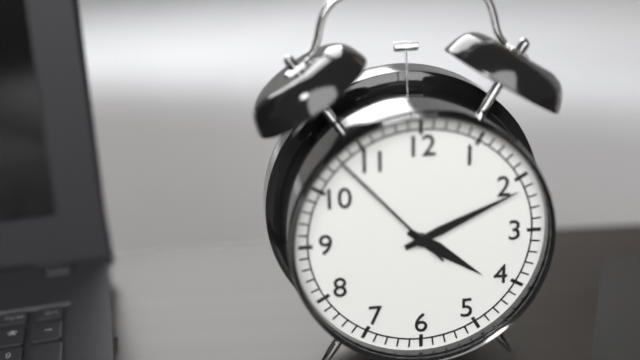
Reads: 4:11:53
